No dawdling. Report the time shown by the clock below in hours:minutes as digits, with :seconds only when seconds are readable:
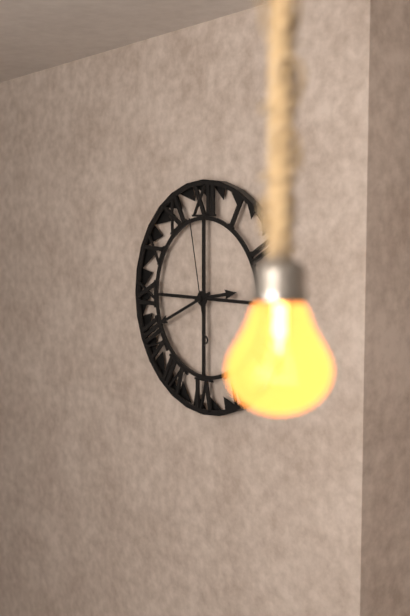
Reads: 2:41:58
